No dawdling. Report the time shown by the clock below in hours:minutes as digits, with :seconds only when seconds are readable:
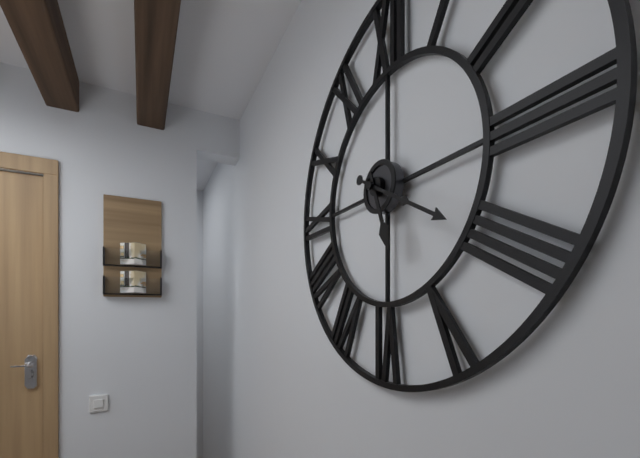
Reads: 5:20
